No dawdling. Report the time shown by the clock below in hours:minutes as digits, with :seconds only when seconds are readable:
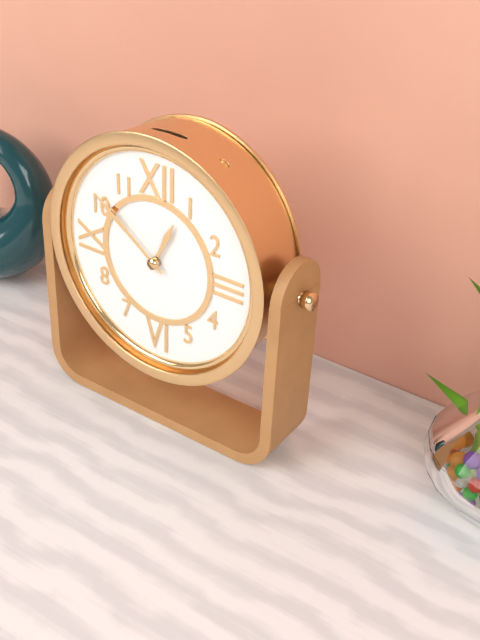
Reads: 12:51
